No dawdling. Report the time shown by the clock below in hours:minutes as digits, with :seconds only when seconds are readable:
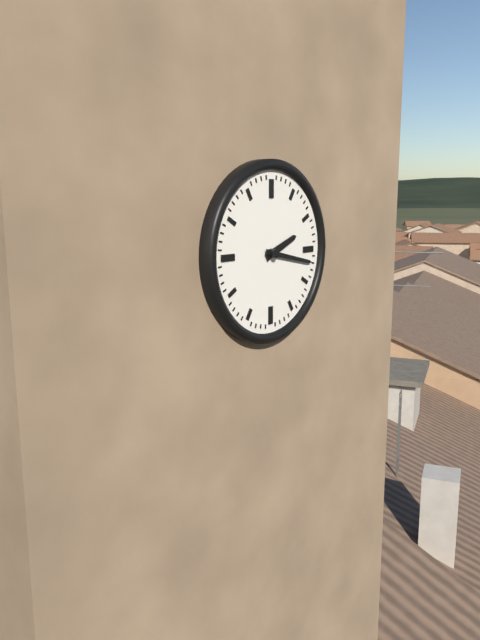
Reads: 2:17
